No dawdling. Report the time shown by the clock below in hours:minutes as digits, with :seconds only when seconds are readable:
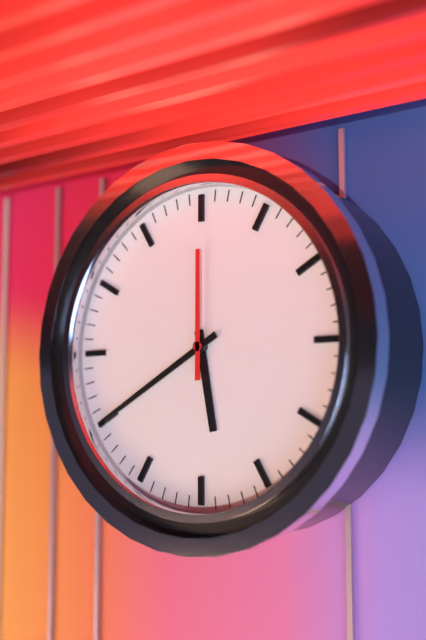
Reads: 5:40:00
